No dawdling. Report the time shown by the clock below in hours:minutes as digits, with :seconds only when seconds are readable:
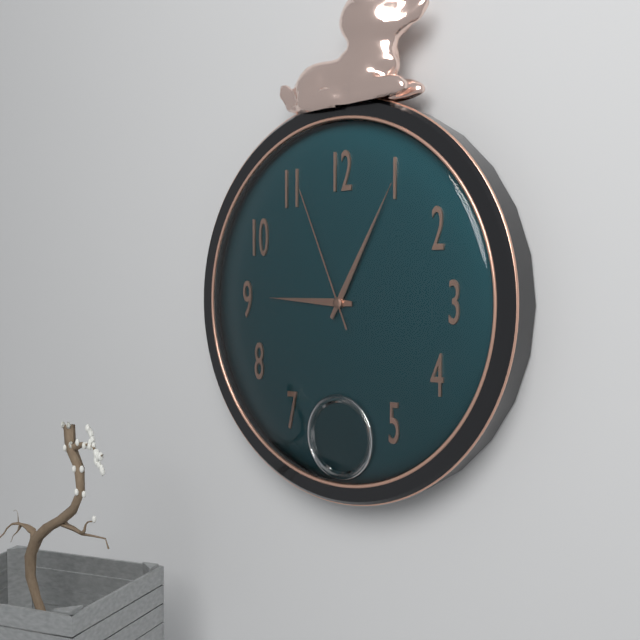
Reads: 9:05:56
